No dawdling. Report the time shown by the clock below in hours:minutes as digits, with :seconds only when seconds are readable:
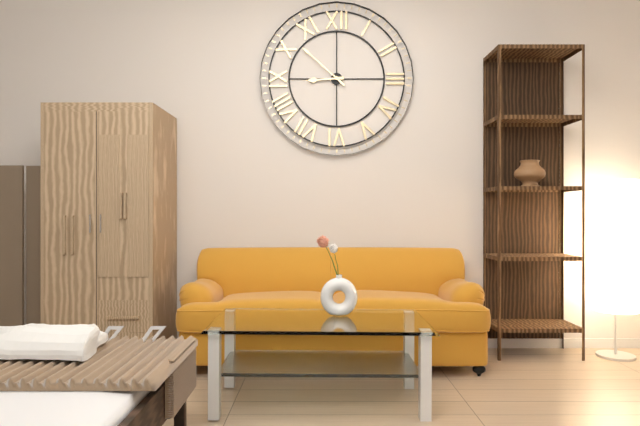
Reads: 8:52
